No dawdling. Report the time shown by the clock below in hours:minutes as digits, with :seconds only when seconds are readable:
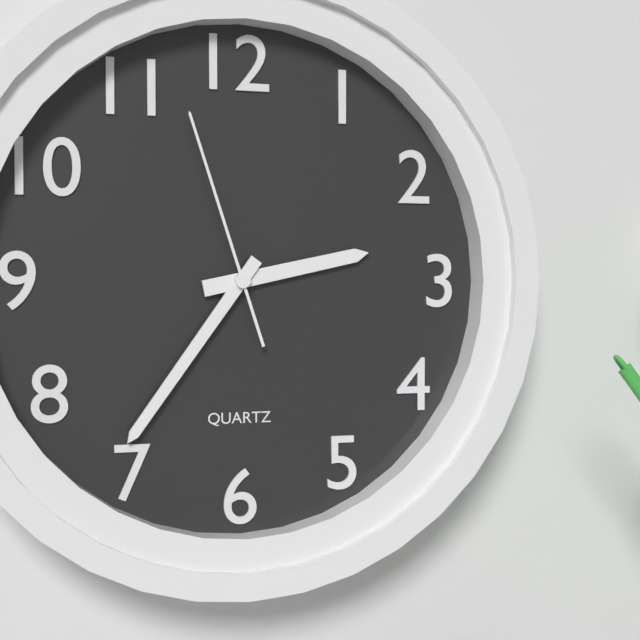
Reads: 2:36:57
